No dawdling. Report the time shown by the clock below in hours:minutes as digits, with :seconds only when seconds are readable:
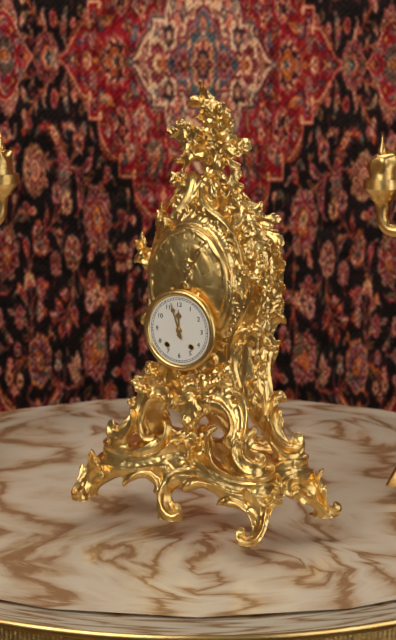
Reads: 11:57
